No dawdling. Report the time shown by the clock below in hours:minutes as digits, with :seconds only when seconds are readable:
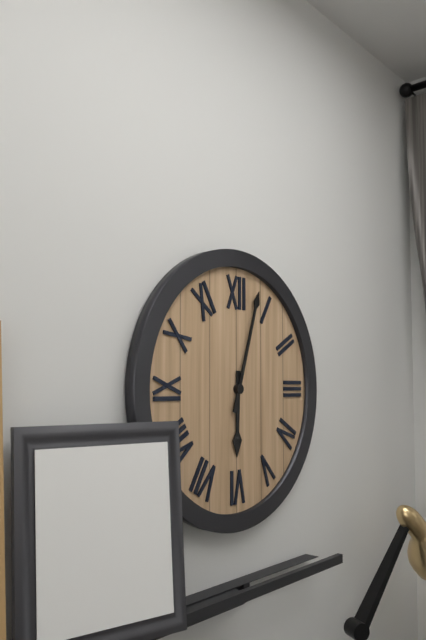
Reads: 6:03
